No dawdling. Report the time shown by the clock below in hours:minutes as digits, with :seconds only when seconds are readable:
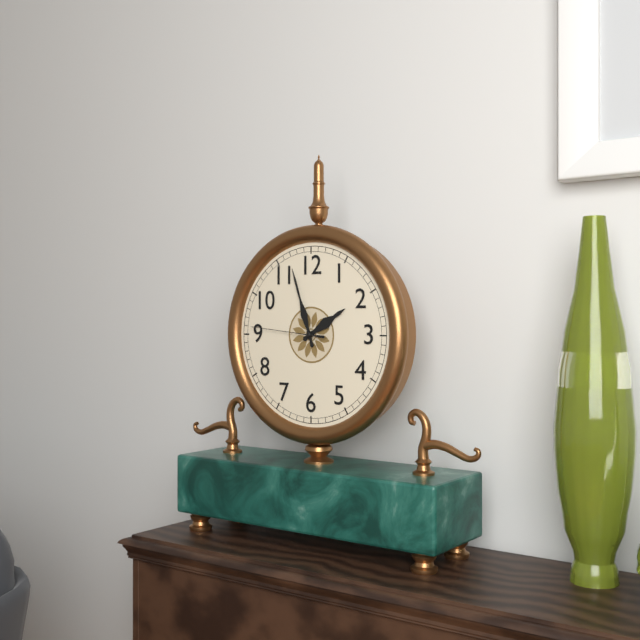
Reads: 1:57:46
